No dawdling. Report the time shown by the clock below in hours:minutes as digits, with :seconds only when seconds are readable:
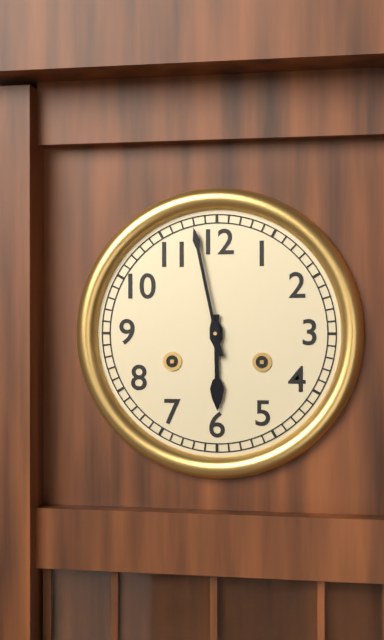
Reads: 5:58
